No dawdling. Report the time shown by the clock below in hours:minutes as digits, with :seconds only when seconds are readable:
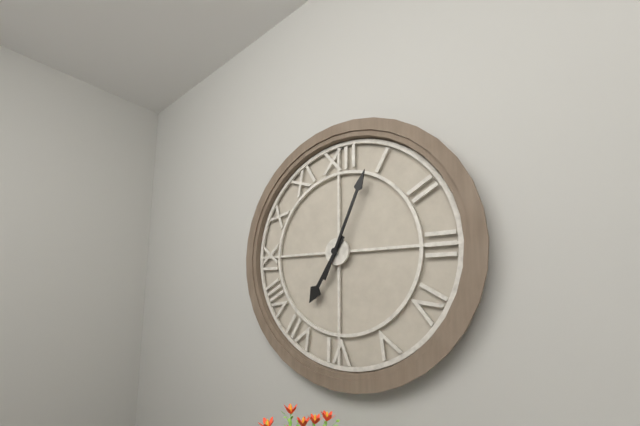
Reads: 7:04
